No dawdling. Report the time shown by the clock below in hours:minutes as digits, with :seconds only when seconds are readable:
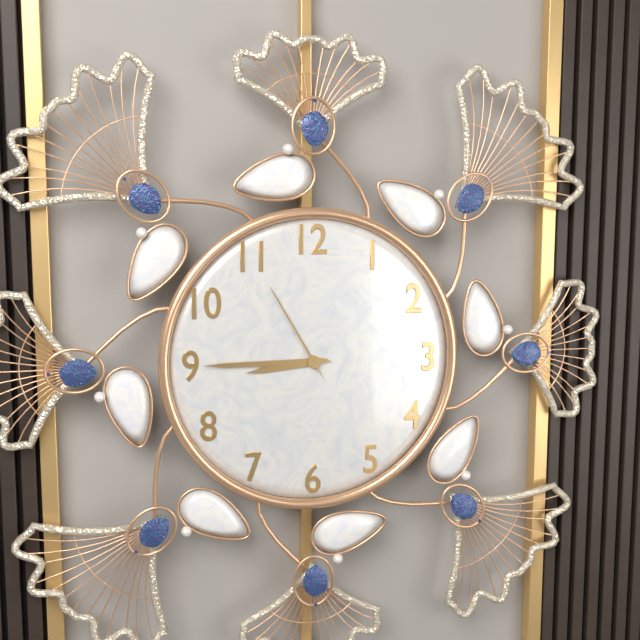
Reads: 8:45:55
